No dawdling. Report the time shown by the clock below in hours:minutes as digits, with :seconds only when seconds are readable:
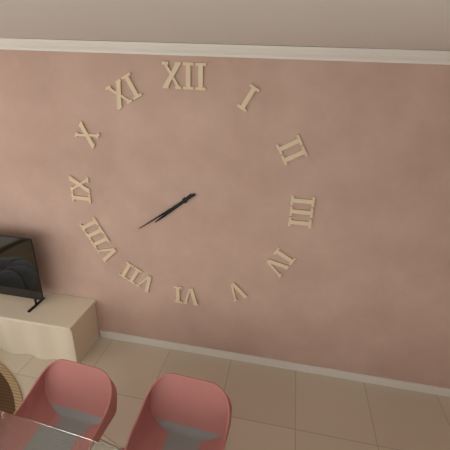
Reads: 7:39
